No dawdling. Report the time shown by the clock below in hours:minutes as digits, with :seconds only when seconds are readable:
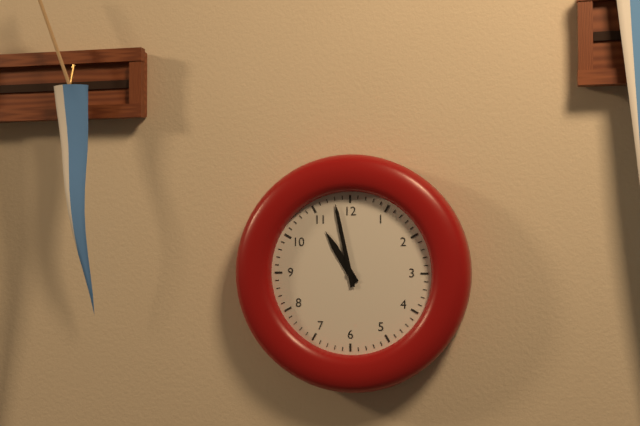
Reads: 10:58
